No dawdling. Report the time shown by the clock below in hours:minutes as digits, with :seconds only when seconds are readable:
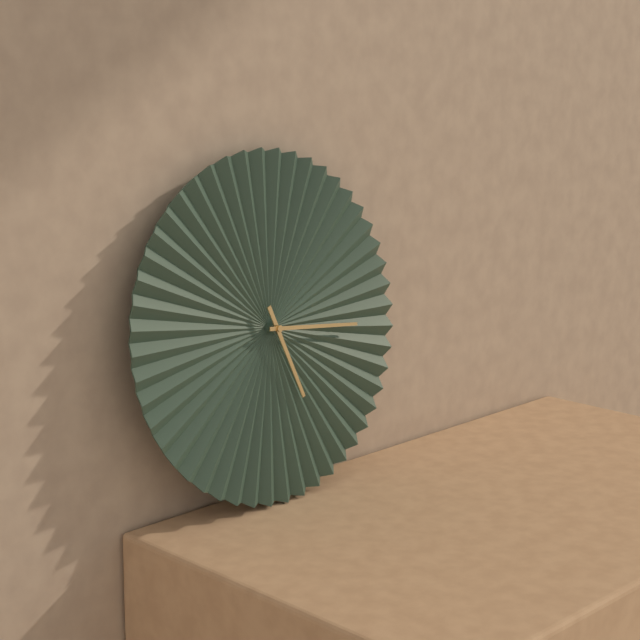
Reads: 5:16
